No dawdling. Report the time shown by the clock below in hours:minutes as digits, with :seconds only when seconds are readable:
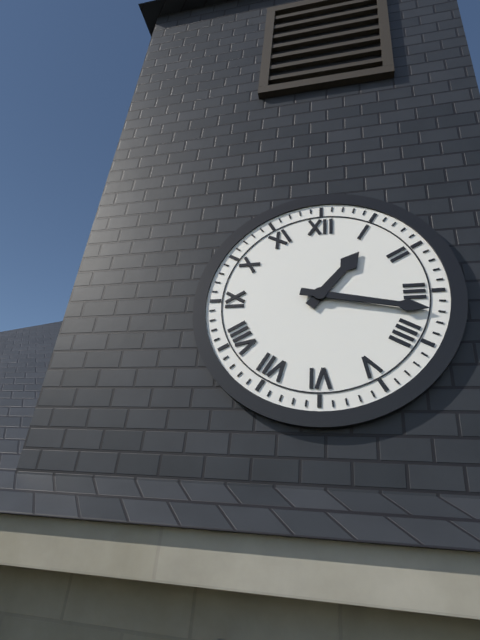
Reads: 1:17
